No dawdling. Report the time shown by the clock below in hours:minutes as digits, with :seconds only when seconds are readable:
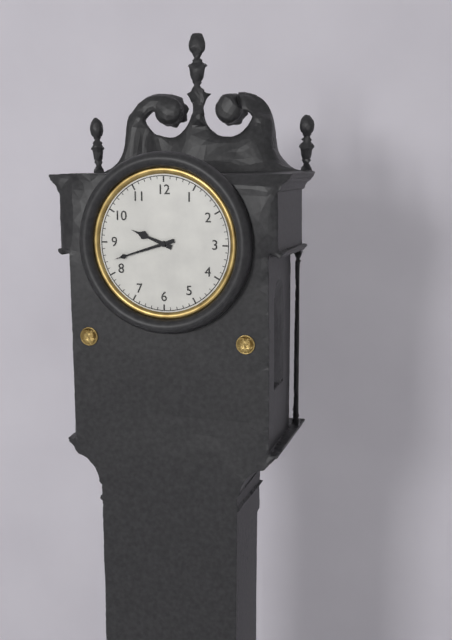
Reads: 9:42
